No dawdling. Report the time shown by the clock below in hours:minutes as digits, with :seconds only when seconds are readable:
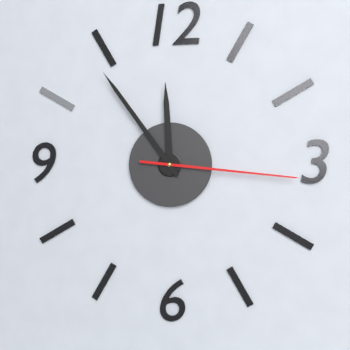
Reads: 11:54:16
